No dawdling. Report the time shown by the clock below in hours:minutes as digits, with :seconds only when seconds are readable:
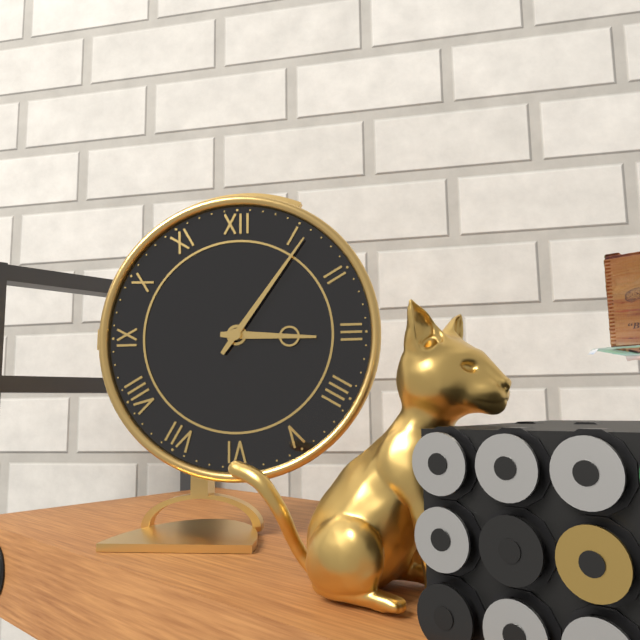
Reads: 3:06
